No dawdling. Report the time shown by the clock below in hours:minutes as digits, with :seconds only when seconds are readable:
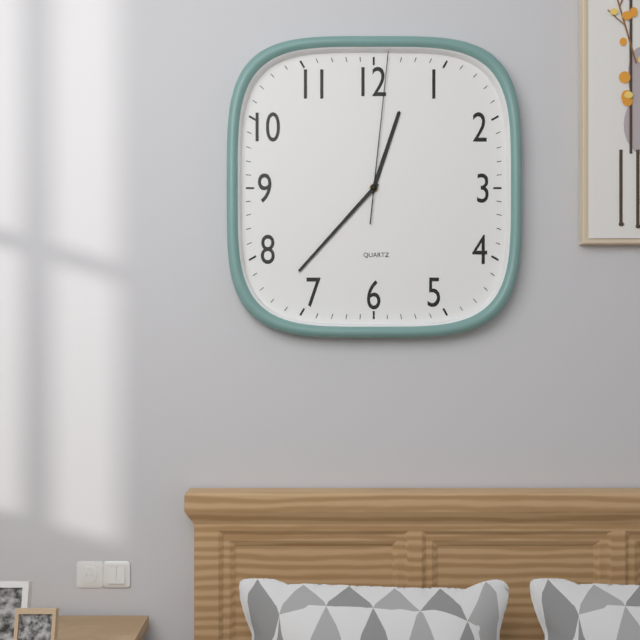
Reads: 12:37:01
